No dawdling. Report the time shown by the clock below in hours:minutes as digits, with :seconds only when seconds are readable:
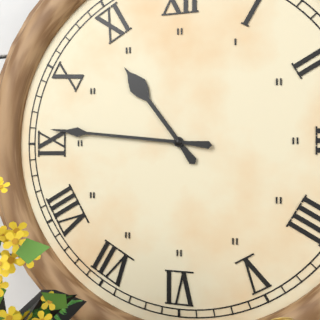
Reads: 10:46
